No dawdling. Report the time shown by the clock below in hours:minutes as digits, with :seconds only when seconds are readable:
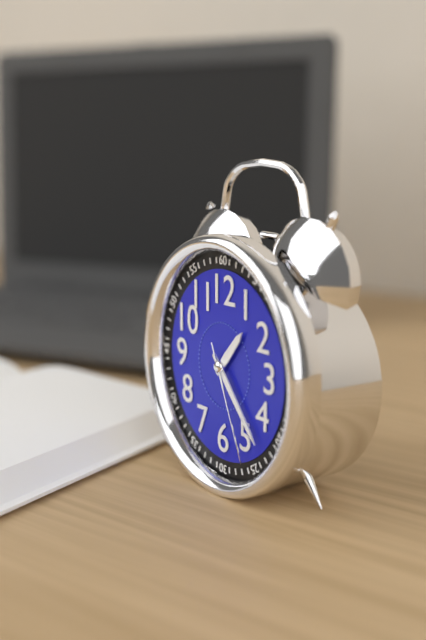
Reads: 1:23:26
